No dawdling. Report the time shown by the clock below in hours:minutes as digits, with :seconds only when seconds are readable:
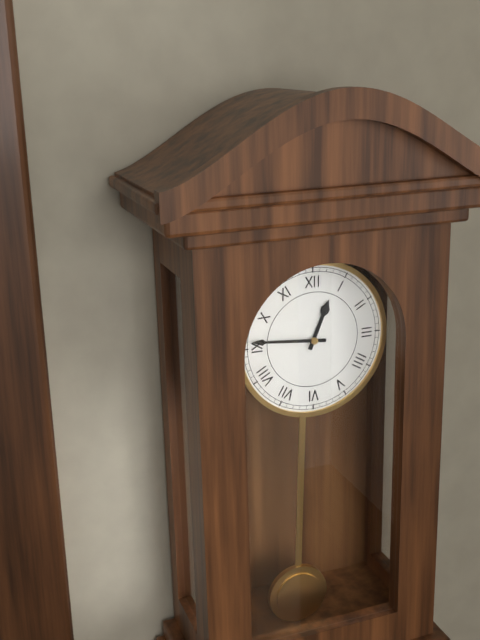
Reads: 12:46
